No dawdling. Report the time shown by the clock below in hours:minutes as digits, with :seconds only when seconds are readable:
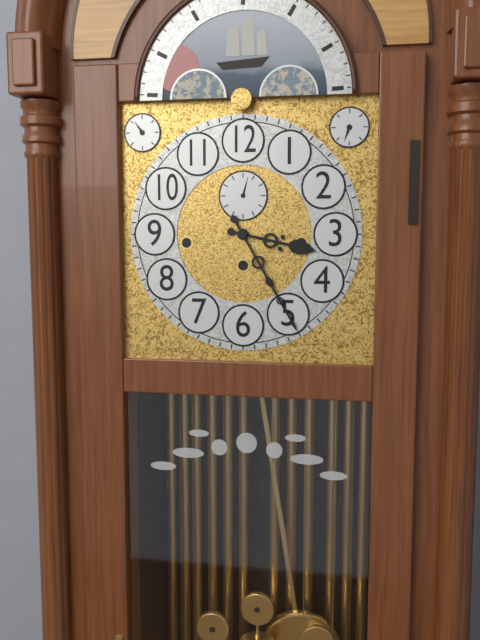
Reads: 3:25
